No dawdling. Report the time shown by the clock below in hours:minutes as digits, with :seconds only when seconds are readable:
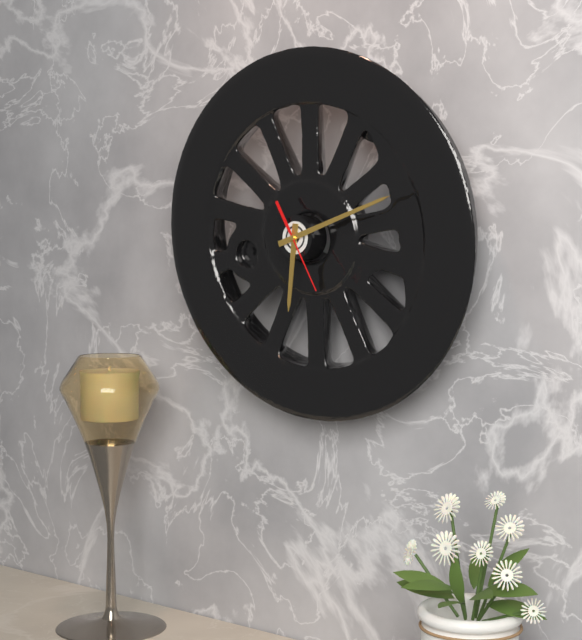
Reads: 6:12:25
